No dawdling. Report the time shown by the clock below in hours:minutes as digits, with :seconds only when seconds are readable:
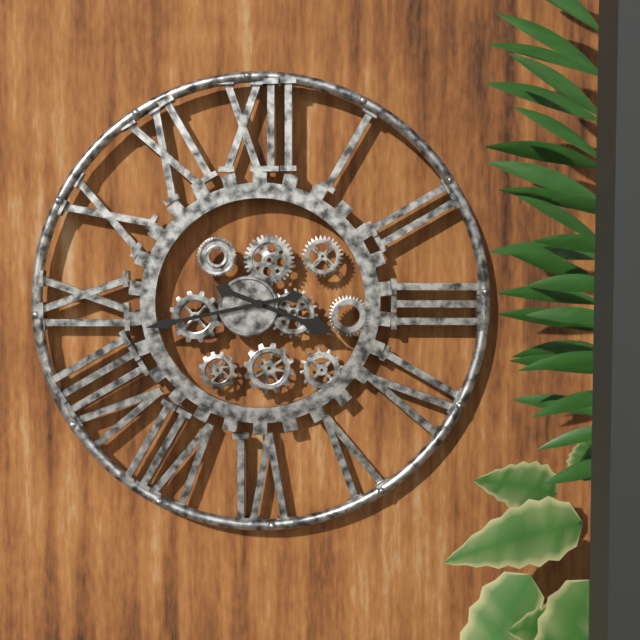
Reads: 3:43
